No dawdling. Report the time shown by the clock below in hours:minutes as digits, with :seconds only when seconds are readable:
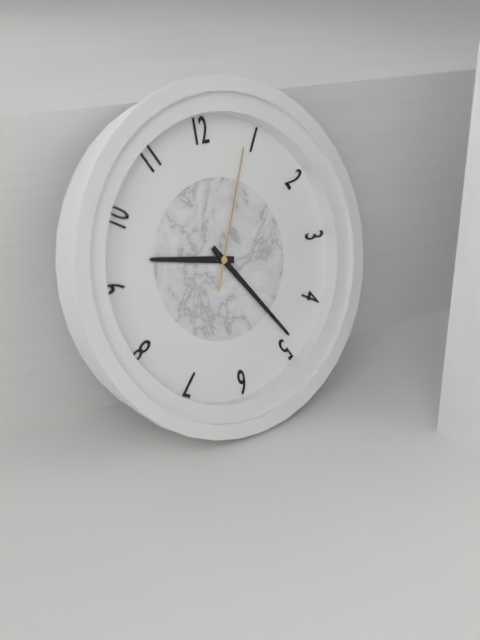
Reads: 9:24:04
